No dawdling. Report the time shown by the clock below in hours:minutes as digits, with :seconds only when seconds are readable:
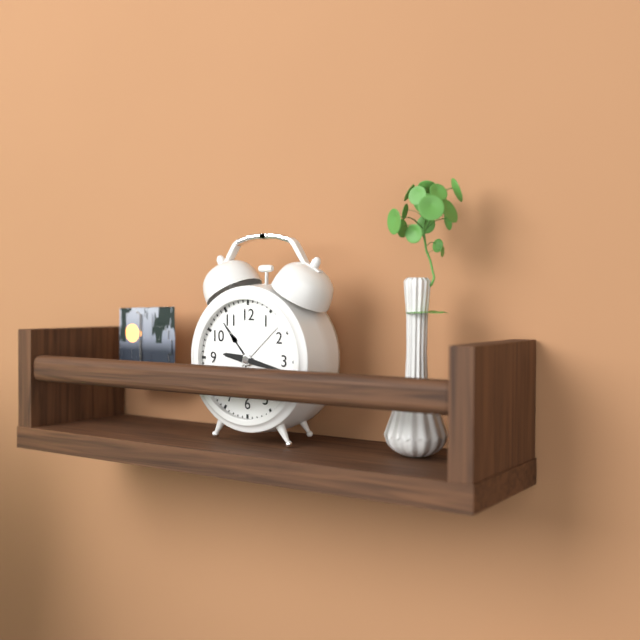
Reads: 9:17
